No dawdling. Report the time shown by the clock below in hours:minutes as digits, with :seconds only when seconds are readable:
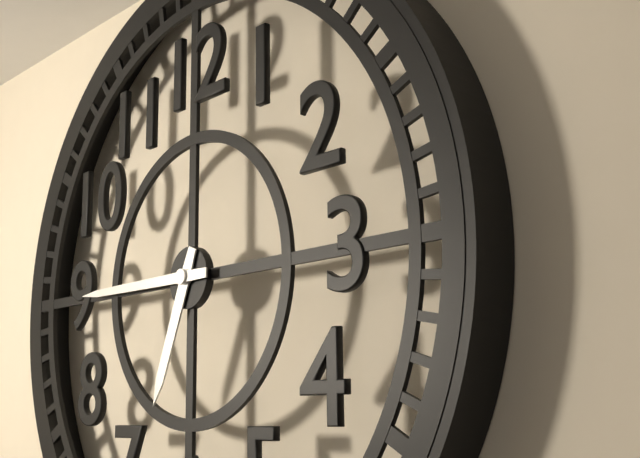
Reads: 6:45
